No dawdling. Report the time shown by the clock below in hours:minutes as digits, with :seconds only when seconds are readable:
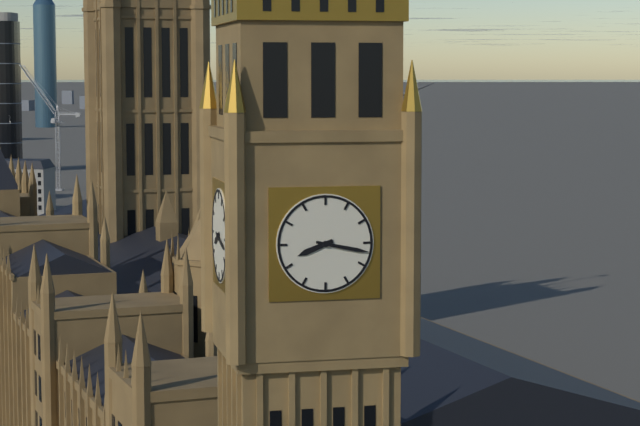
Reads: 8:17
